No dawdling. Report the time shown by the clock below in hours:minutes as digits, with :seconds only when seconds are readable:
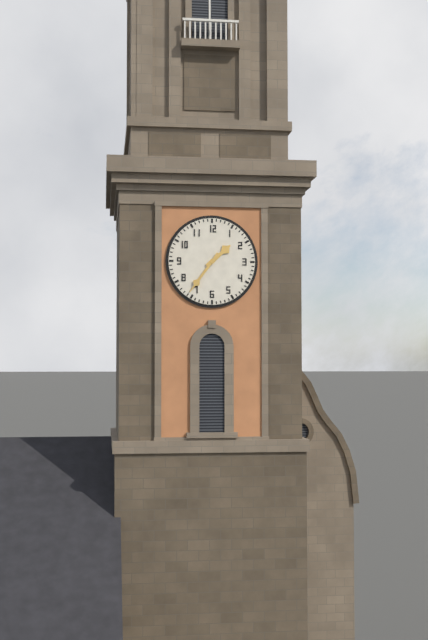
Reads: 1:36
